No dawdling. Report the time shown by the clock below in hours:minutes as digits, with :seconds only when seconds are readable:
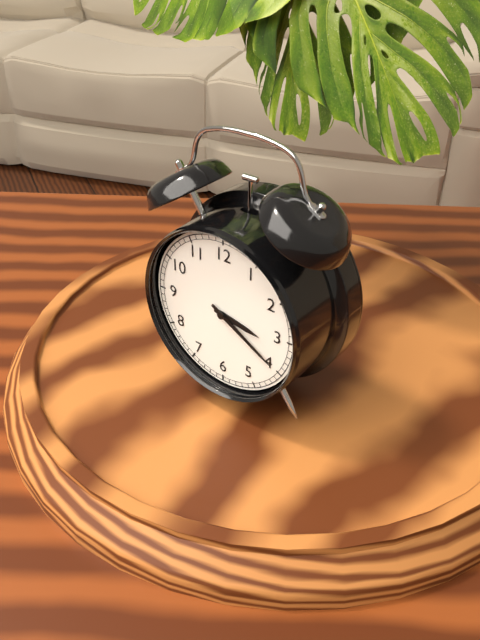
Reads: 3:20
